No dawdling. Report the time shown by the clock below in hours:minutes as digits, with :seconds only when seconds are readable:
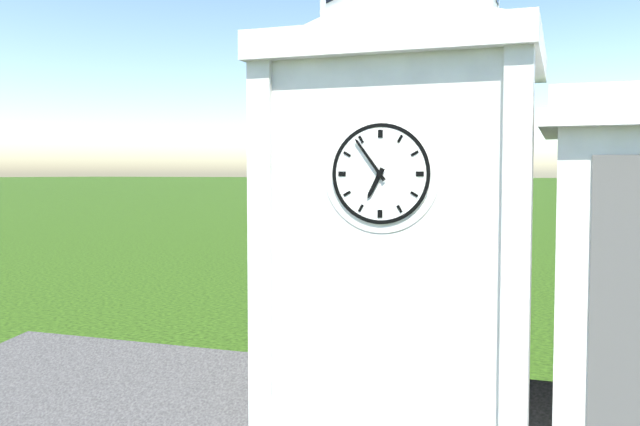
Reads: 6:54
